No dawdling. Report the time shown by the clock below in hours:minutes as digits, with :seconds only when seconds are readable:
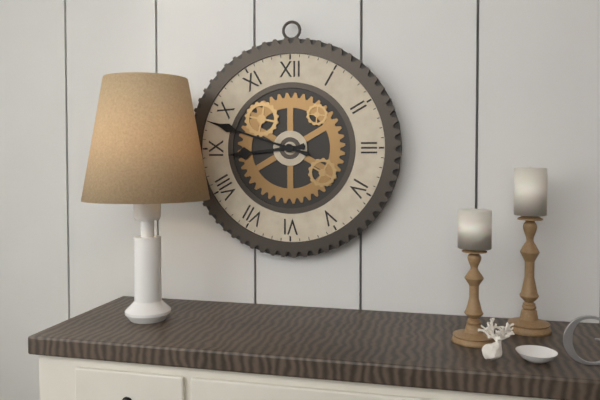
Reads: 8:48
